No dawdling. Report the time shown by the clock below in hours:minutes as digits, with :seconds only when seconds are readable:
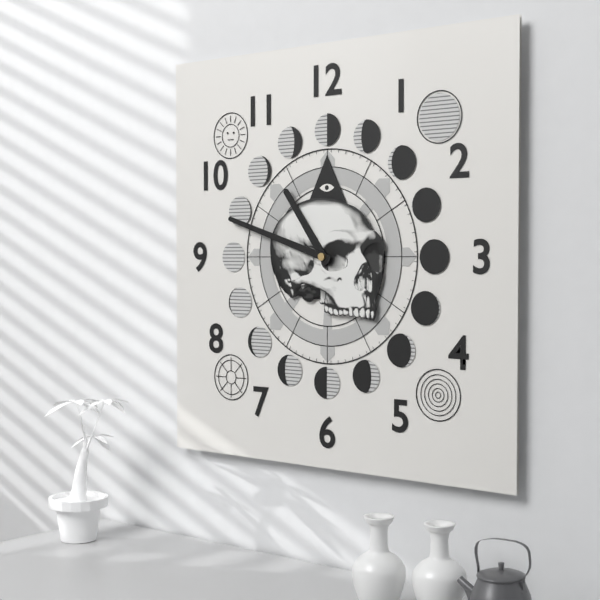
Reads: 10:48
